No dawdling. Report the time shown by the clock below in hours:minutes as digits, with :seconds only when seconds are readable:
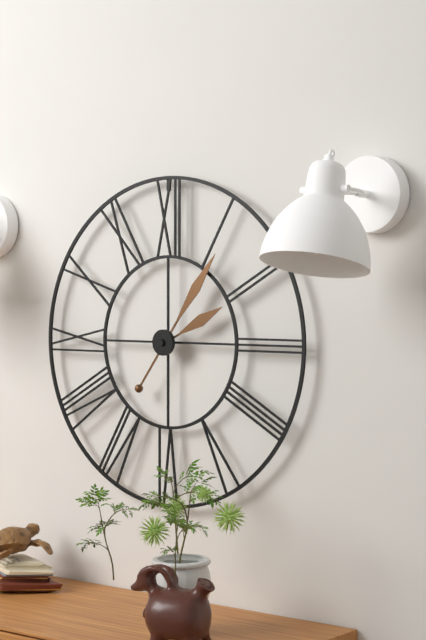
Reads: 2:06
